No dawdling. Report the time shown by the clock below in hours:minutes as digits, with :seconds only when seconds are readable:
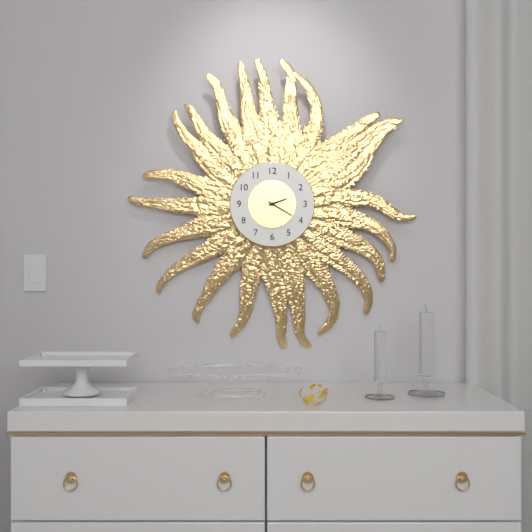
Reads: 2:20
